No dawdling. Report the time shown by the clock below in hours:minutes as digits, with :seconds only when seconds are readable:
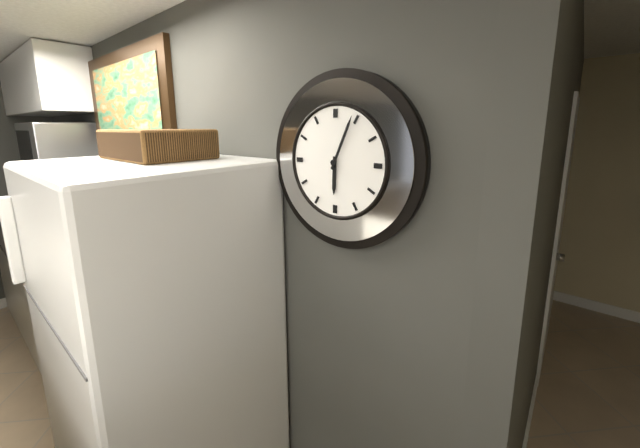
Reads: 6:04
